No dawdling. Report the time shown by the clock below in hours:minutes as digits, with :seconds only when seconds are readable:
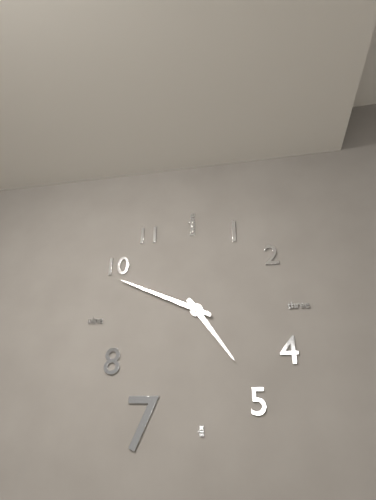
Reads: 4:49
